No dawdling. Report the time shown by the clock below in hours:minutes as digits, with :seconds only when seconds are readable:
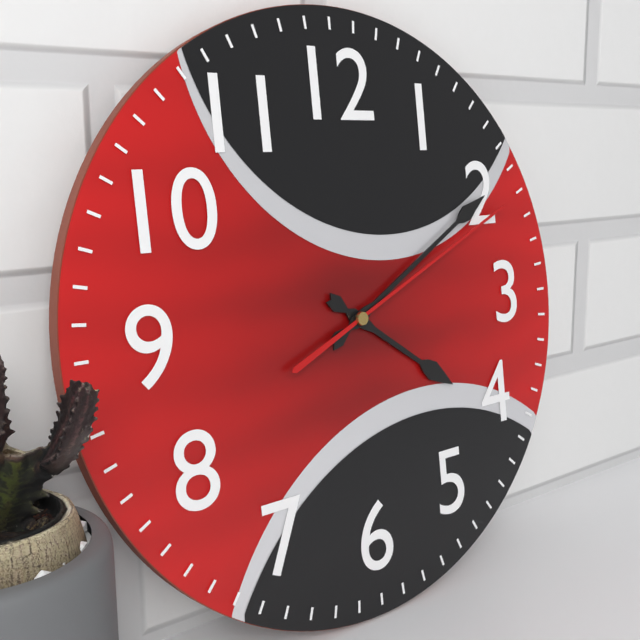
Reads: 4:10:11
